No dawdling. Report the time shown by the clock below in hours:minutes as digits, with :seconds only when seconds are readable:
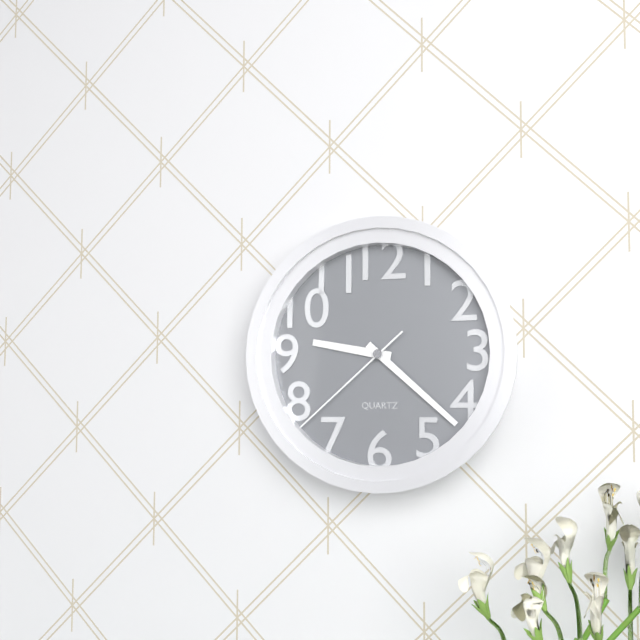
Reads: 9:22:38
